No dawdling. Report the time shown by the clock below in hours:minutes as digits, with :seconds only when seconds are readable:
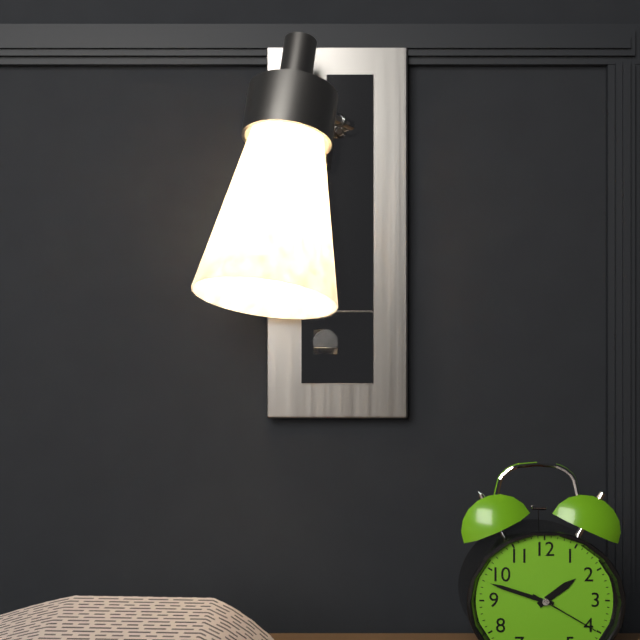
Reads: 1:48:20
